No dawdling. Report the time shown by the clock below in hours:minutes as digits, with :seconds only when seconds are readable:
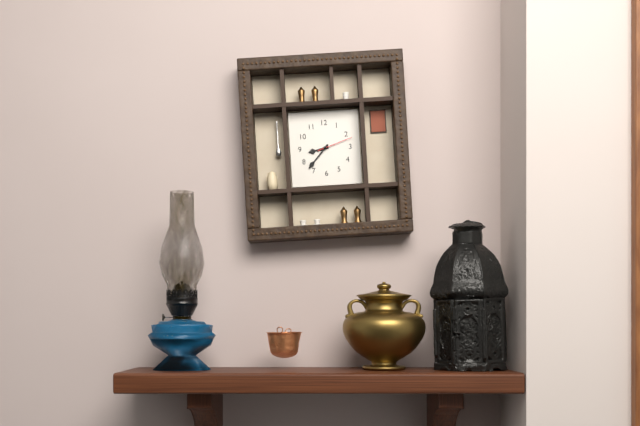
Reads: 8:37
